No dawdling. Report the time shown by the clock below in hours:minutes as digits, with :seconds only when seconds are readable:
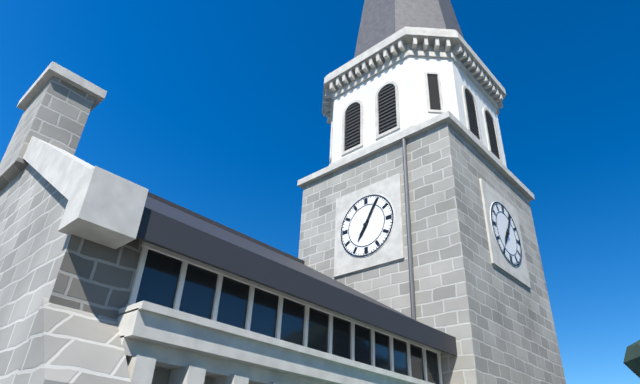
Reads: 7:05
